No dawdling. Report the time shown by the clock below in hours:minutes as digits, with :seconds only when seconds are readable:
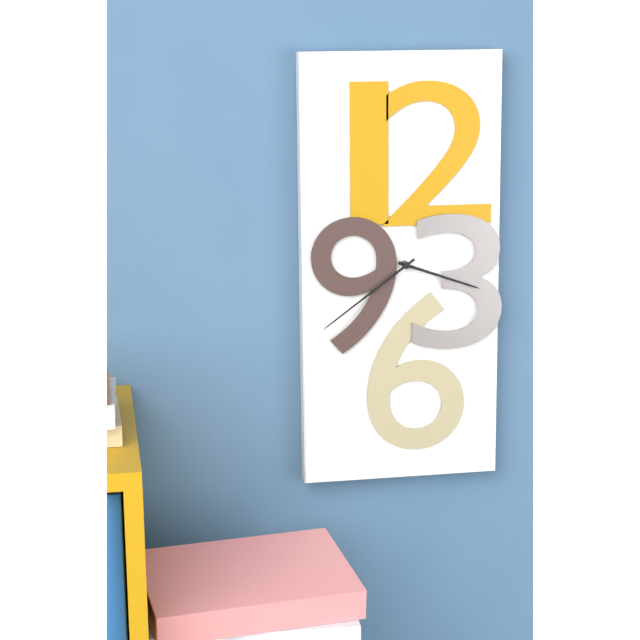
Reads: 3:39
